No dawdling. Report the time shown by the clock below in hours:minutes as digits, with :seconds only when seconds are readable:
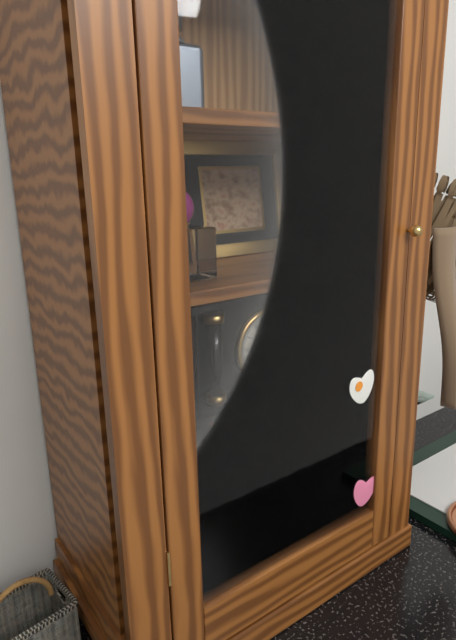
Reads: 8:04
